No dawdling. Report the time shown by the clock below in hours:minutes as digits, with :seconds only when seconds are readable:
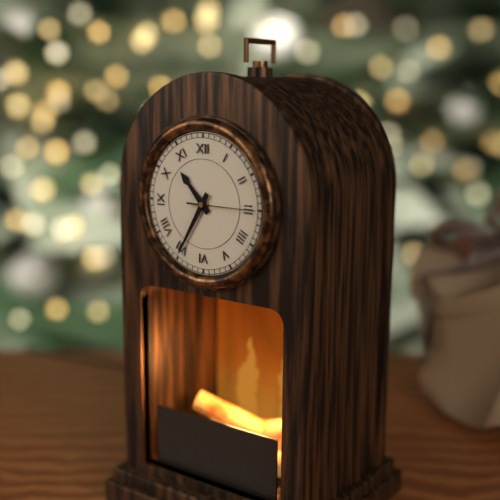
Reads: 10:35:15
